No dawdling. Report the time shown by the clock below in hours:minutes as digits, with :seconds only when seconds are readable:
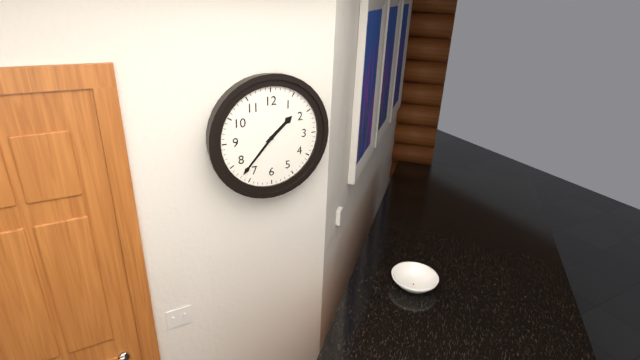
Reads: 1:37
